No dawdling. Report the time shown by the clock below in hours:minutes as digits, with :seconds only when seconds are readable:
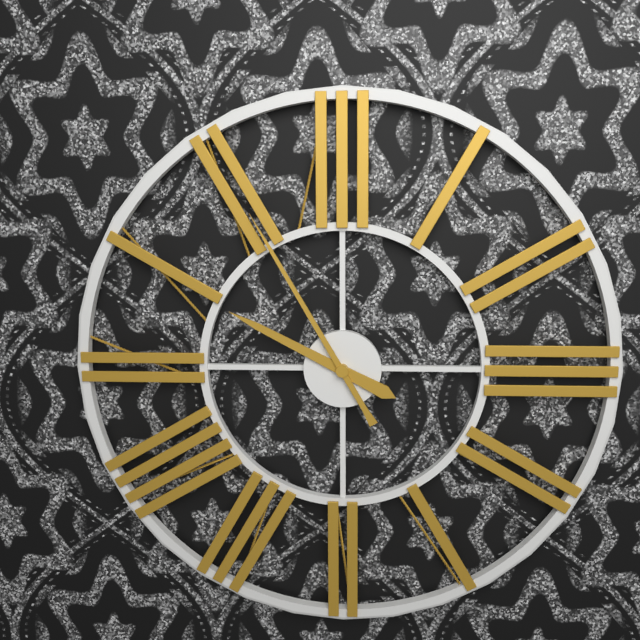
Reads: 9:55
